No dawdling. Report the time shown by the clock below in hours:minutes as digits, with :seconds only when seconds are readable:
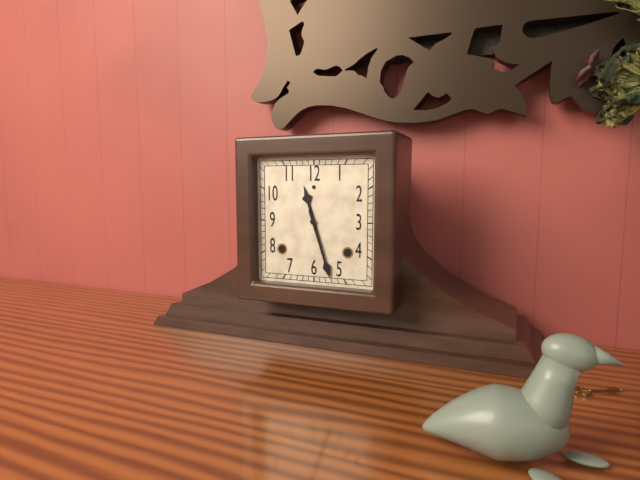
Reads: 11:27
